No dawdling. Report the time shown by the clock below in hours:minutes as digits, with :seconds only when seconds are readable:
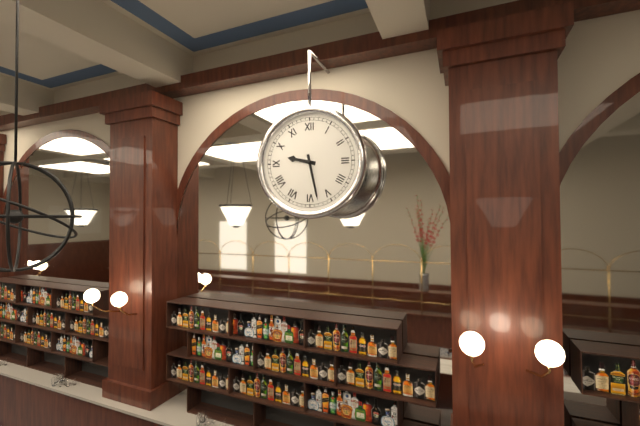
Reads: 9:28
